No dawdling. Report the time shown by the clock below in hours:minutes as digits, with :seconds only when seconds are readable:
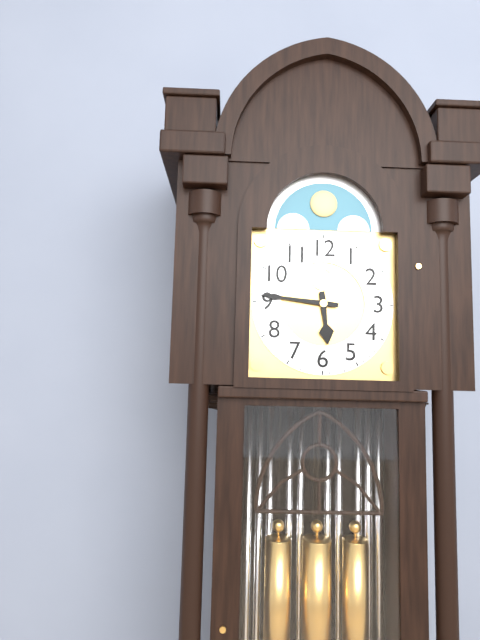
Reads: 5:46
